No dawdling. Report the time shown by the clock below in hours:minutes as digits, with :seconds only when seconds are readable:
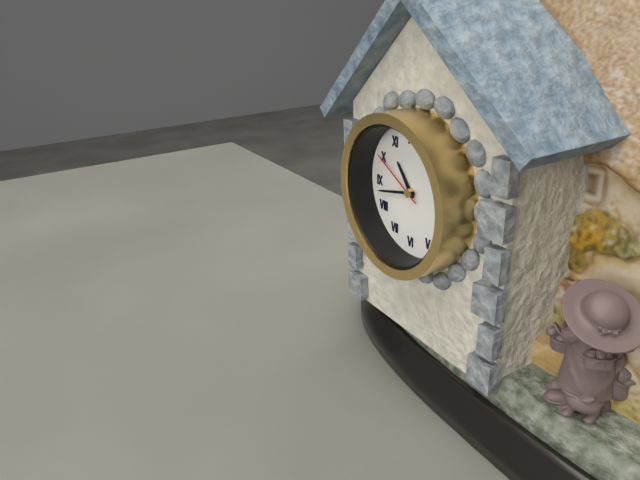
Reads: 10:43:50
